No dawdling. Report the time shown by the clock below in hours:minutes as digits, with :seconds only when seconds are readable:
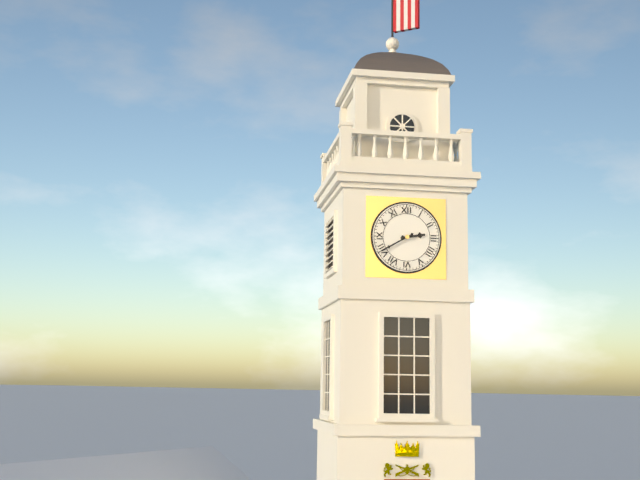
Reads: 2:40
